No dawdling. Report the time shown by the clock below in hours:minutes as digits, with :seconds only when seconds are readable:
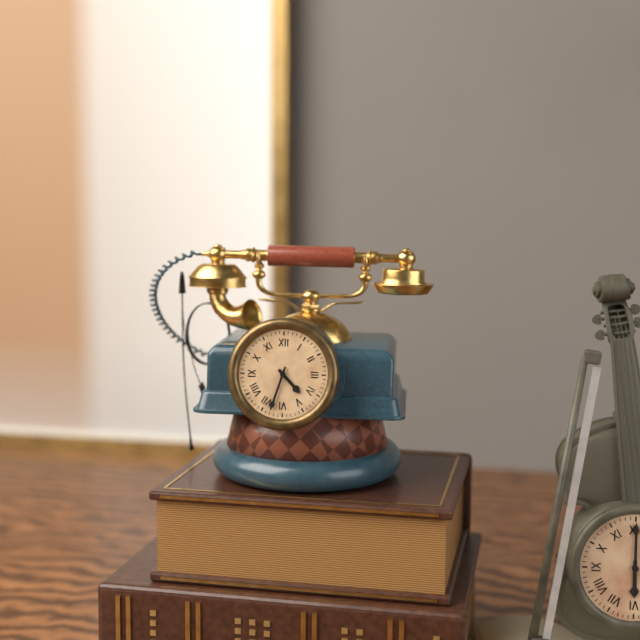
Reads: 4:33
